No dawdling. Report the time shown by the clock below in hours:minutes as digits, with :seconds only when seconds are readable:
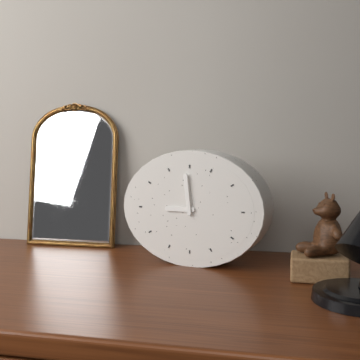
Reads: 8:59
